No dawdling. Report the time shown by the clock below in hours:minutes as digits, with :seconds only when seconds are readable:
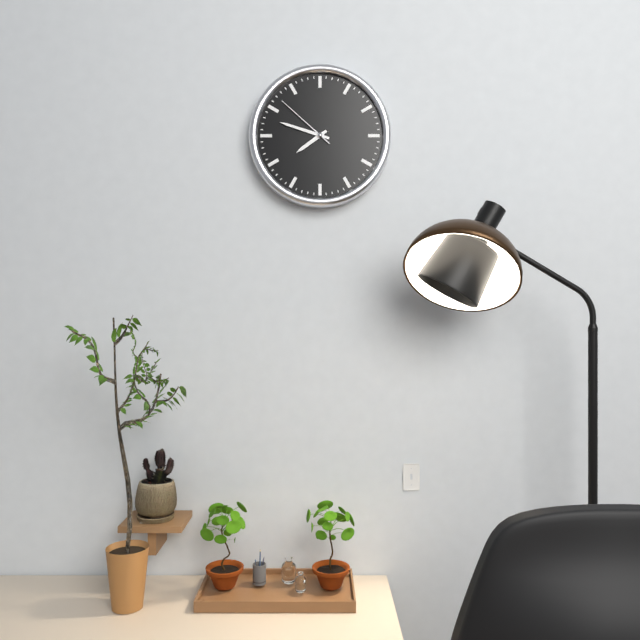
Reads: 7:48:52
